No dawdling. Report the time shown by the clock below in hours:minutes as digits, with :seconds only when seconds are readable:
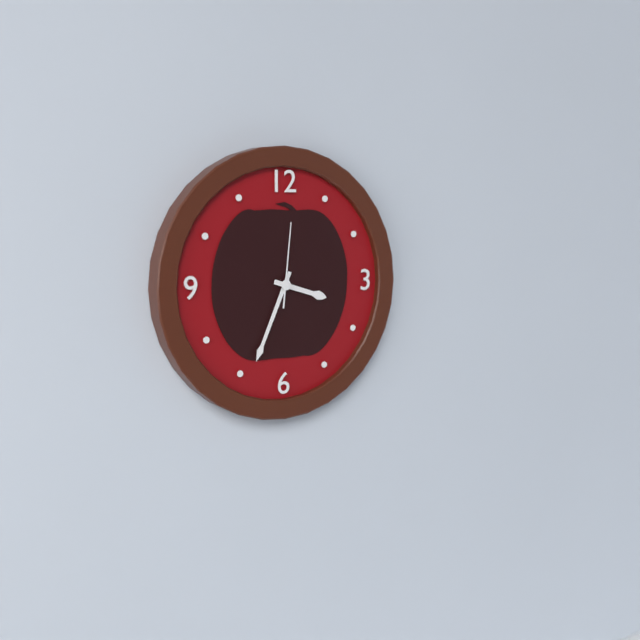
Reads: 3:34:01
